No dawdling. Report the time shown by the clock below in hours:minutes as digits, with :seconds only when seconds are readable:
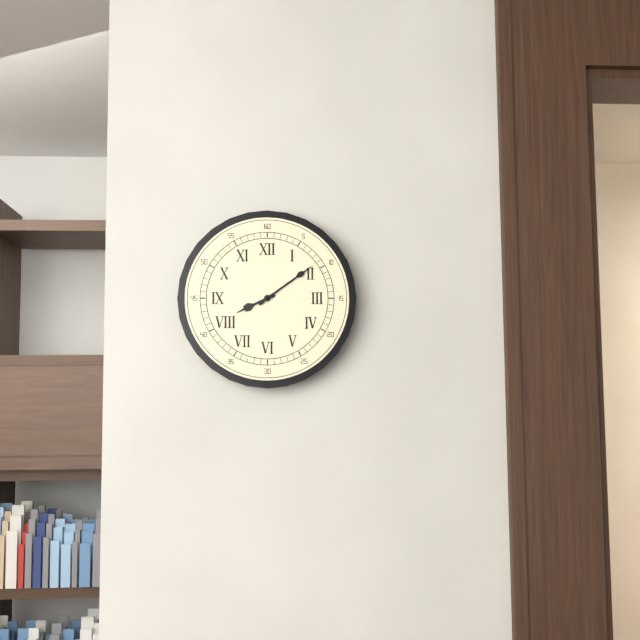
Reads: 8:09
